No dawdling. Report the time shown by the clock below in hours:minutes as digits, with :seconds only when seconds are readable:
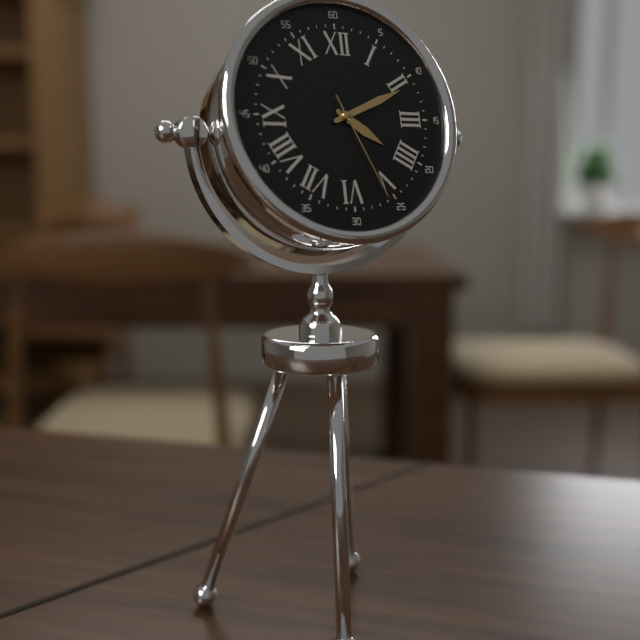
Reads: 4:11:26
